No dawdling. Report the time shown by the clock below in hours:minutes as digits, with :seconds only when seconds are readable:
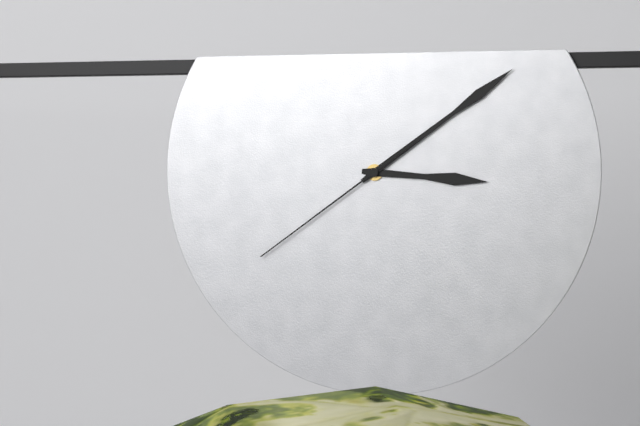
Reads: 3:09:39
